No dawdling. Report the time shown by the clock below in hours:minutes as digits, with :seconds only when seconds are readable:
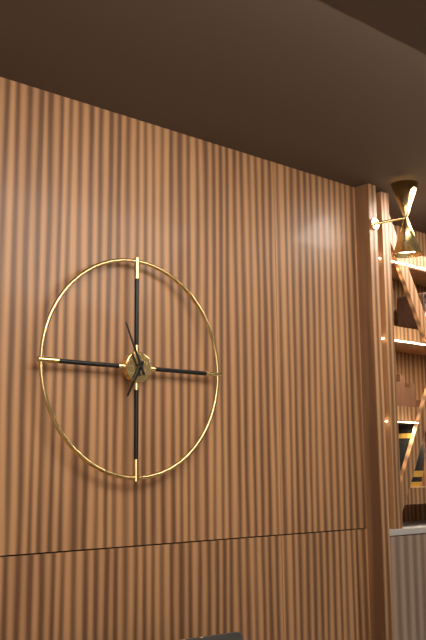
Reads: 6:56
